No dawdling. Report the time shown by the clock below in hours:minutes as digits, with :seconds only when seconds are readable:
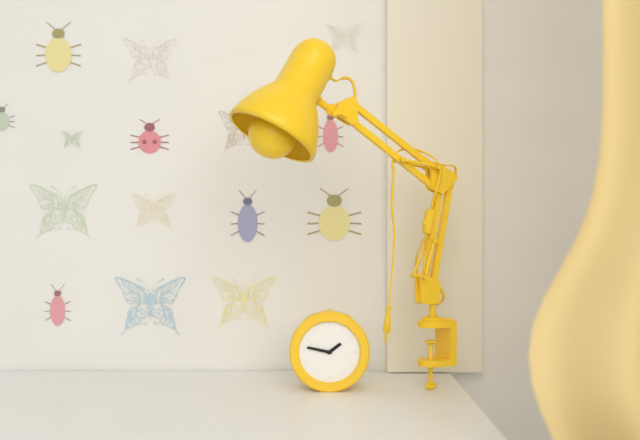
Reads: 1:47
